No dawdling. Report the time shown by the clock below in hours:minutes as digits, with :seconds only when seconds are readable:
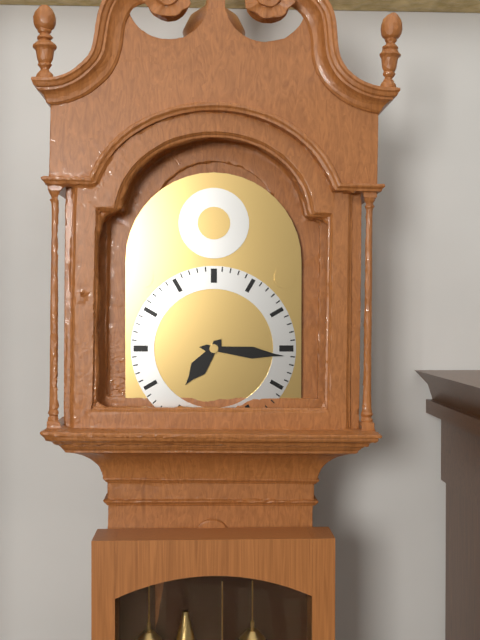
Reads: 7:16
